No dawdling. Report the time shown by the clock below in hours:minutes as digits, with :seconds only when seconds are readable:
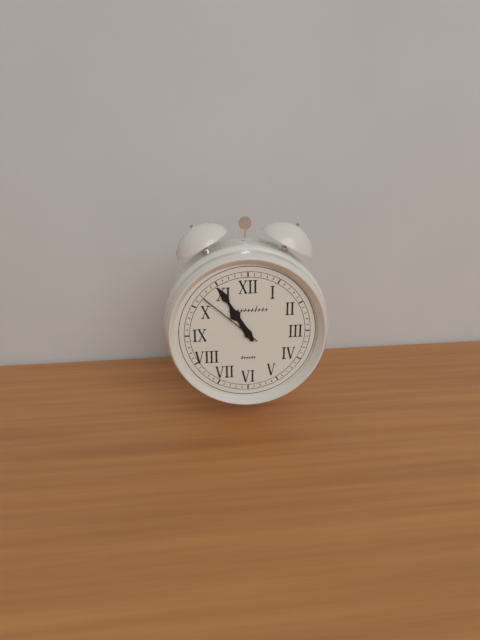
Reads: 10:55:52
